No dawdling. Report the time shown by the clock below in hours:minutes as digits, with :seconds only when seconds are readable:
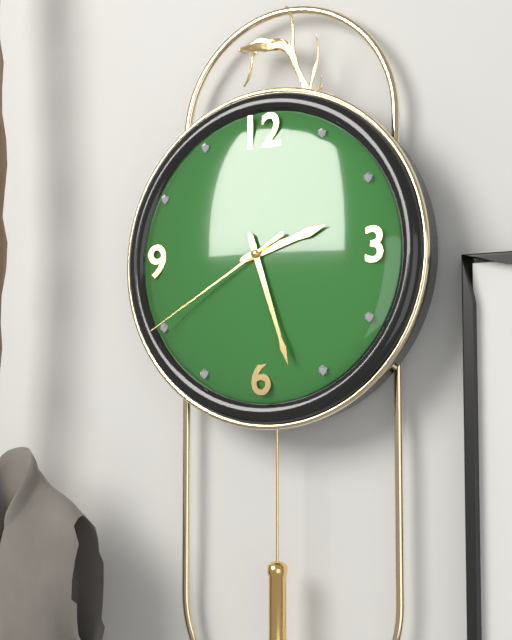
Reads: 2:27:40
